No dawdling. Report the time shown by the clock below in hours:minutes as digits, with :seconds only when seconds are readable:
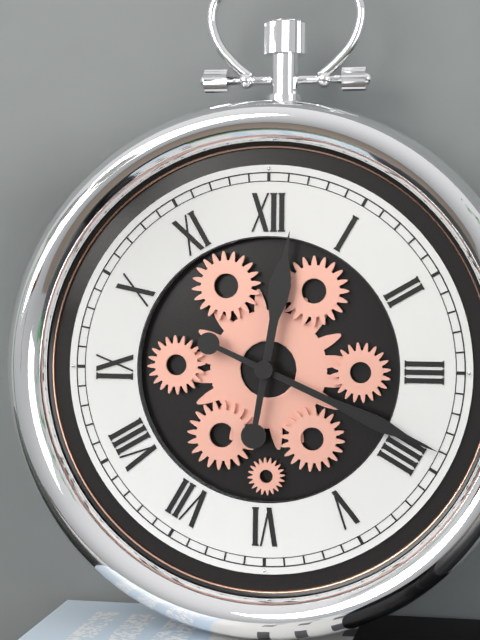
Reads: 12:19
